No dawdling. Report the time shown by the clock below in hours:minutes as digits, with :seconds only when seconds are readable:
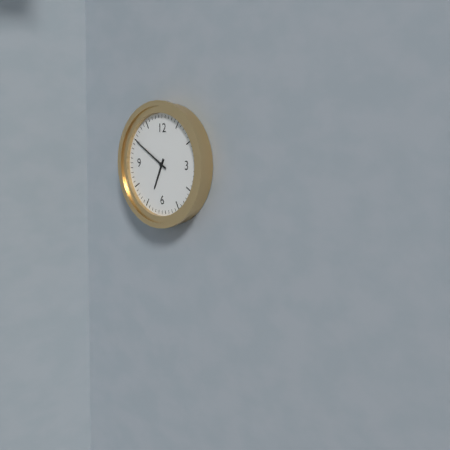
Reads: 6:50
